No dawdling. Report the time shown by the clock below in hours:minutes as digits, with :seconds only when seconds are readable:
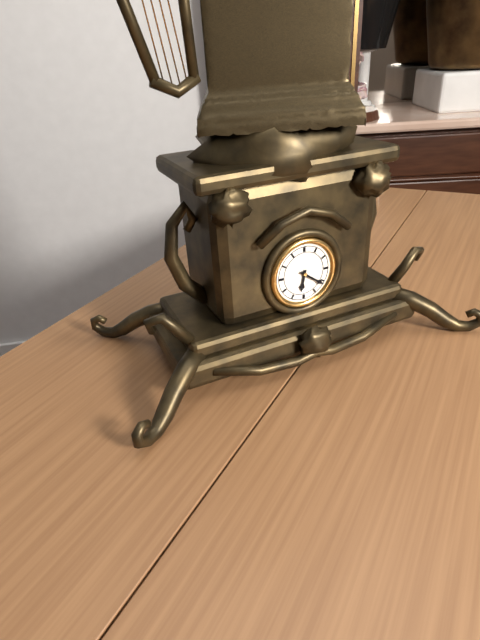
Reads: 6:21
